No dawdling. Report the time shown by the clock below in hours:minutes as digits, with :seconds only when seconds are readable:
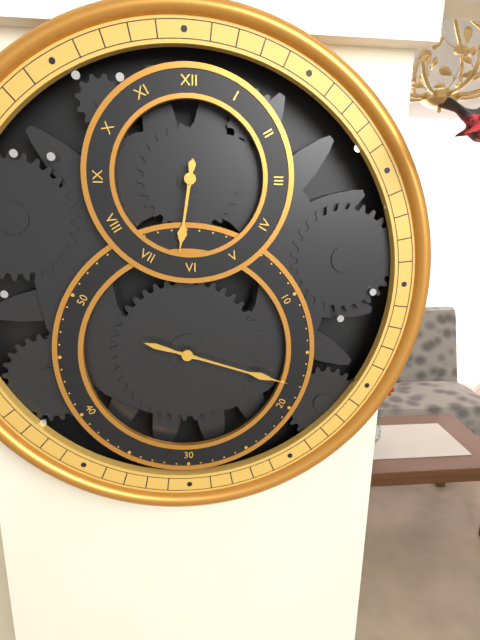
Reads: 6:18
